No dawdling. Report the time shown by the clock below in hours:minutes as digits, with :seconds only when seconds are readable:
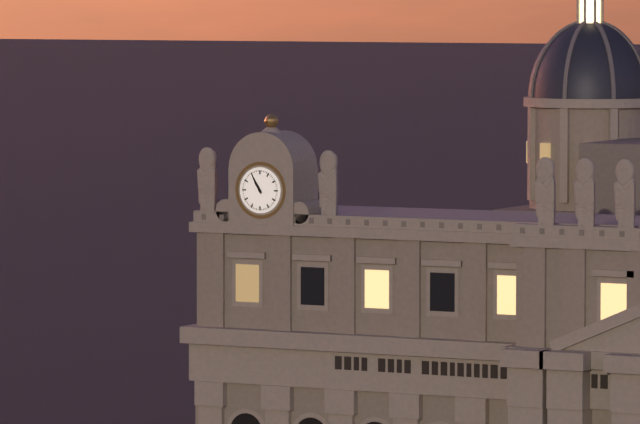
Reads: 10:55
